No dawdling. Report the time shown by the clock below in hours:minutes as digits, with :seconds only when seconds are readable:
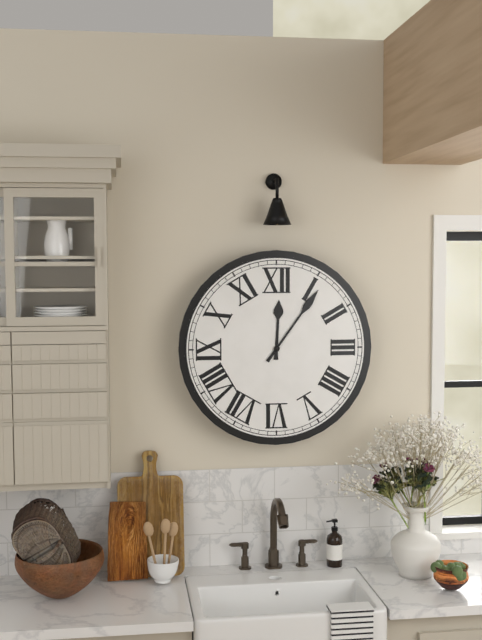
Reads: 12:06
